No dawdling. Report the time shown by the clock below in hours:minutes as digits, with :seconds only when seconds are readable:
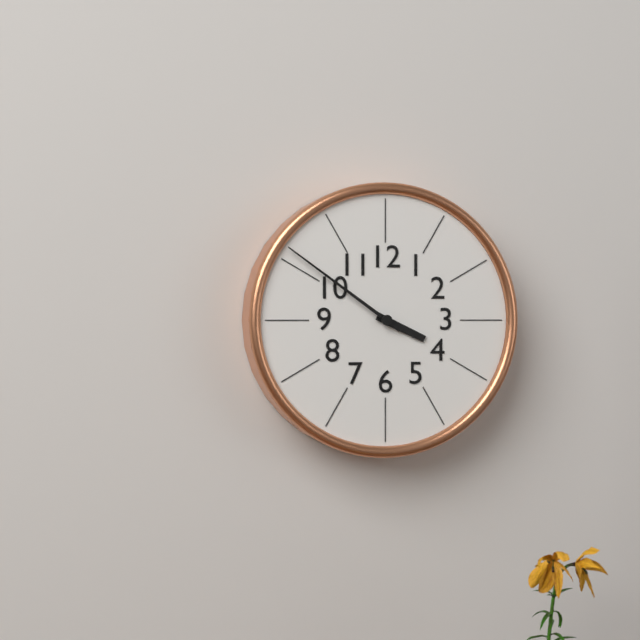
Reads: 3:51
